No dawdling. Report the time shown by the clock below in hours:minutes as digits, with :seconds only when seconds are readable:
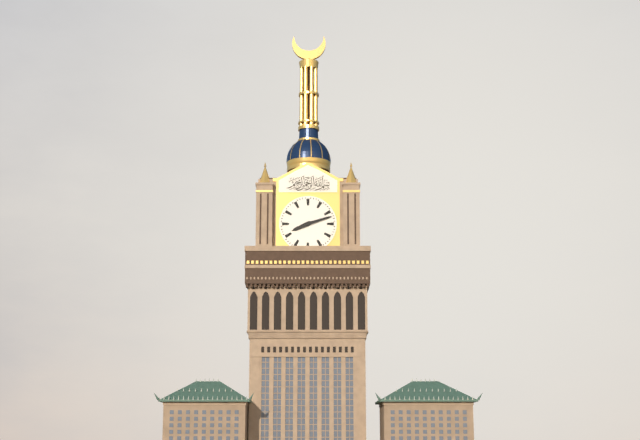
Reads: 8:12
